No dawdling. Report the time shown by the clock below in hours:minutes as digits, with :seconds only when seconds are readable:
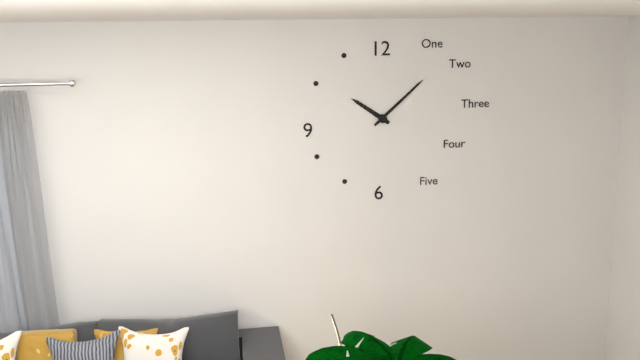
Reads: 10:08
